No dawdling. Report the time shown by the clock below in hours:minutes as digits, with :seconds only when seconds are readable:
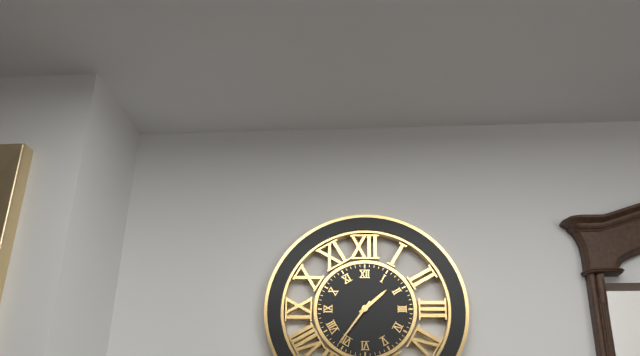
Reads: 1:36
